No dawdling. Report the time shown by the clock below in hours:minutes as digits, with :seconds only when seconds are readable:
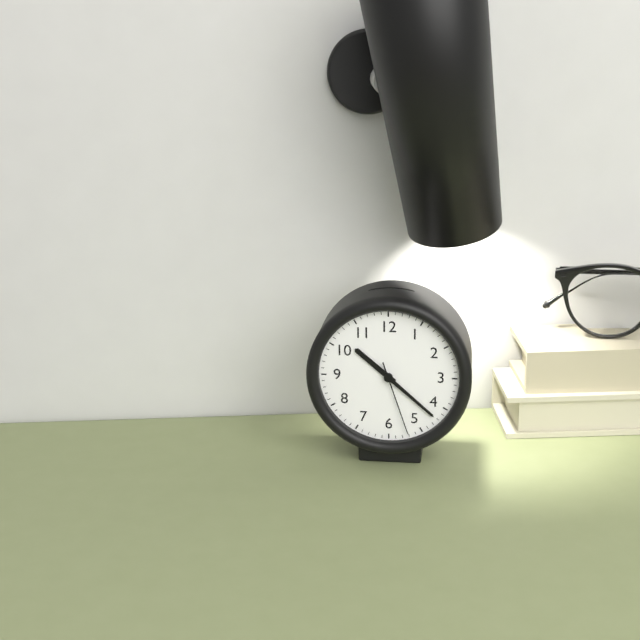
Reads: 10:22:27
